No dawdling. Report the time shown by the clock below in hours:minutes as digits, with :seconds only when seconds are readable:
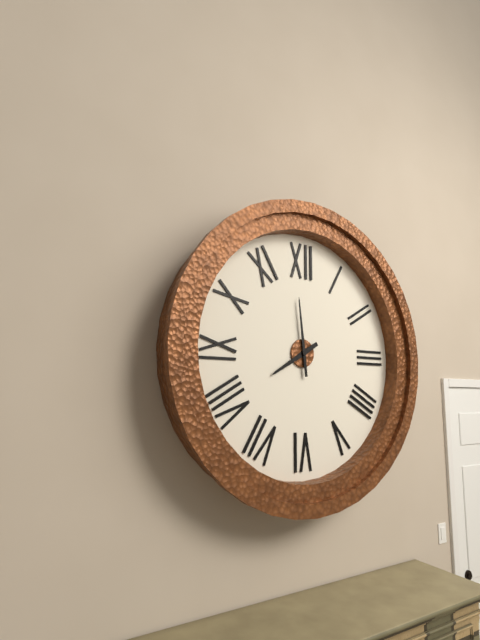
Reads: 7:59
